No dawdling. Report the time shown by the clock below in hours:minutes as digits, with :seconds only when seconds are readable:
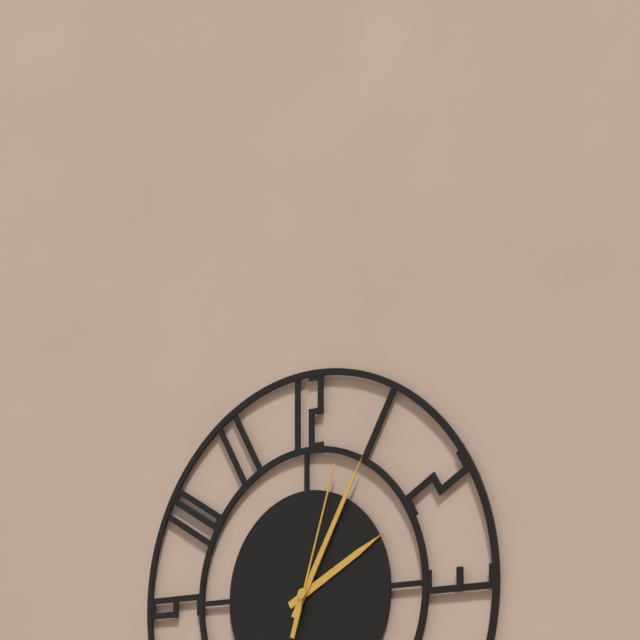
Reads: 2:05:03
